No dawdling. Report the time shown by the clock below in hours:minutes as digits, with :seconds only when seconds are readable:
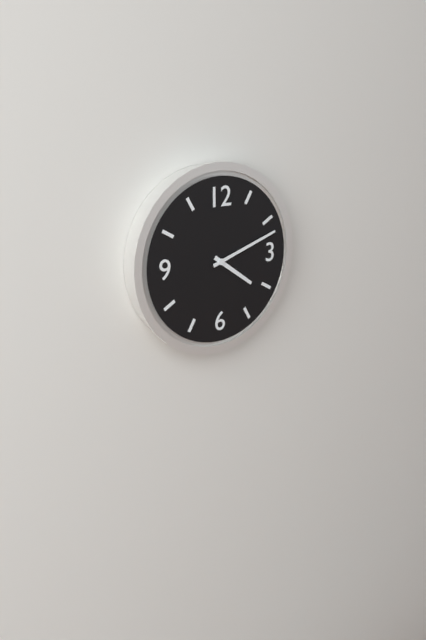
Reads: 4:12
